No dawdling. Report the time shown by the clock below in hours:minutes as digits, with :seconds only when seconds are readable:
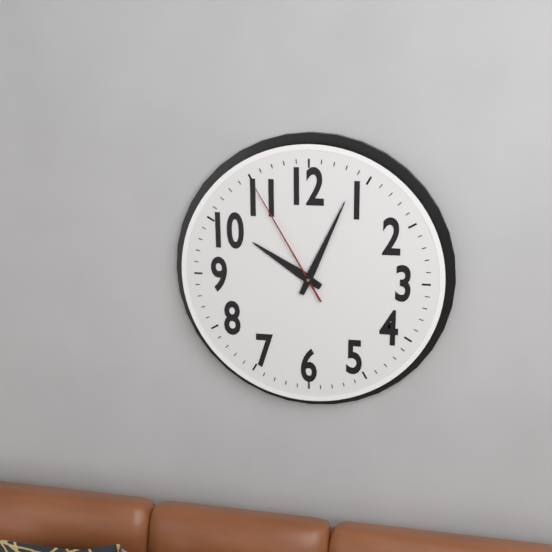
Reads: 10:04:55
